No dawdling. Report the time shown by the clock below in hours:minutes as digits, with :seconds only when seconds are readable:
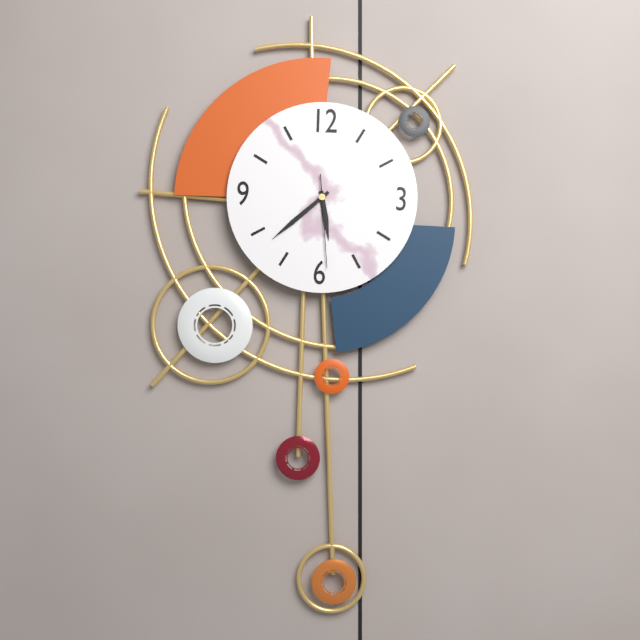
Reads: 5:38:29
